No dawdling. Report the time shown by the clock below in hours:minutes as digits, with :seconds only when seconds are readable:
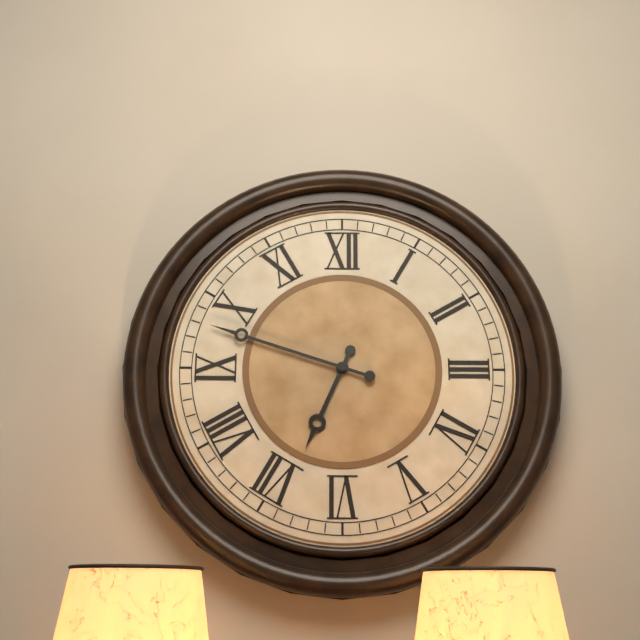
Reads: 6:48
